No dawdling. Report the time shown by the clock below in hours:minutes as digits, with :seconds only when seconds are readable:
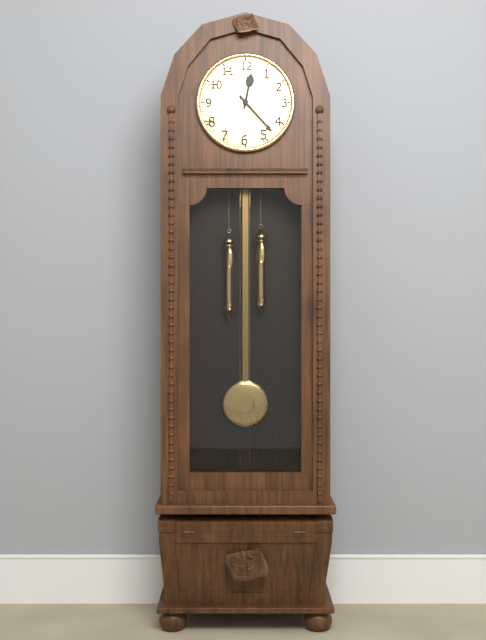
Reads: 12:23
